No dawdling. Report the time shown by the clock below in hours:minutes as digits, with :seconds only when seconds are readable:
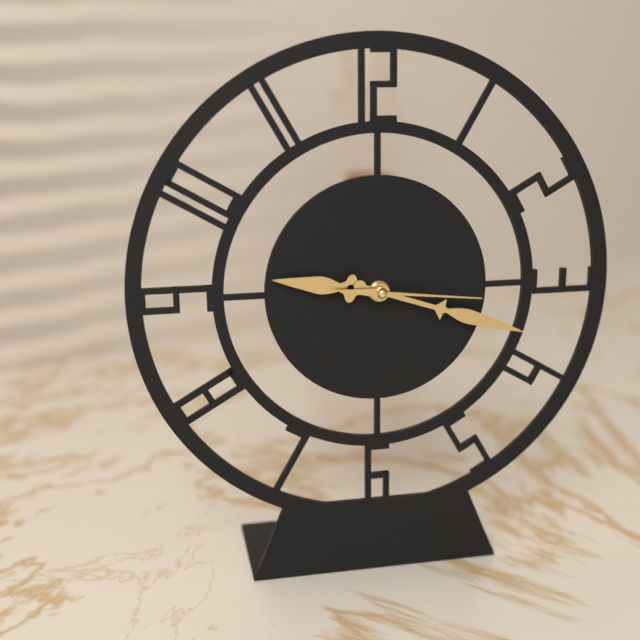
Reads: 9:18:16
